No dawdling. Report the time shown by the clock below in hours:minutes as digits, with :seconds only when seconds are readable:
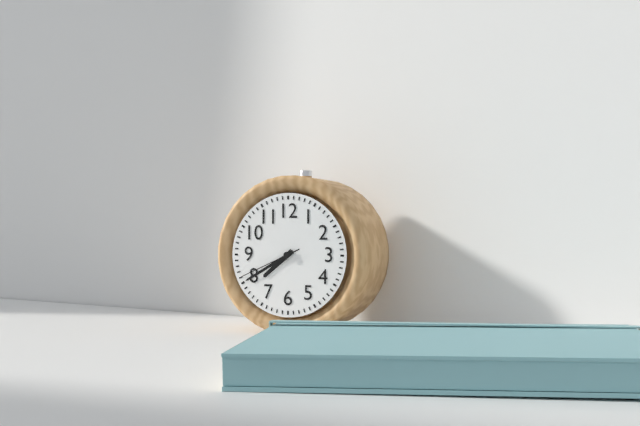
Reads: 7:40:41
